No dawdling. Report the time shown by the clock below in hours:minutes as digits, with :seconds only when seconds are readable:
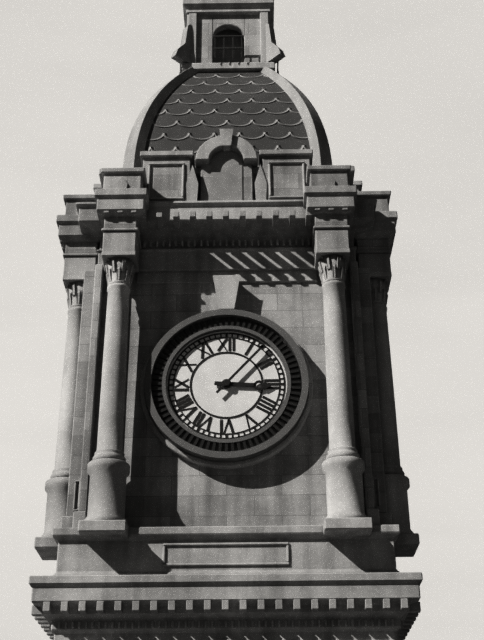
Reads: 3:07
